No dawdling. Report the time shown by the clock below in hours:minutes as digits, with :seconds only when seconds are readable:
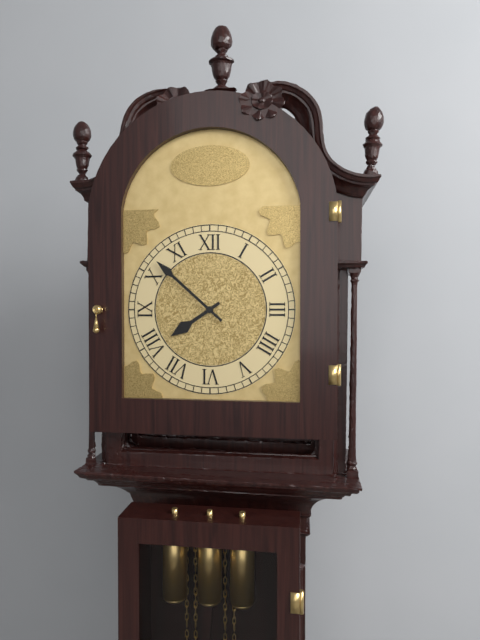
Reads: 7:52
